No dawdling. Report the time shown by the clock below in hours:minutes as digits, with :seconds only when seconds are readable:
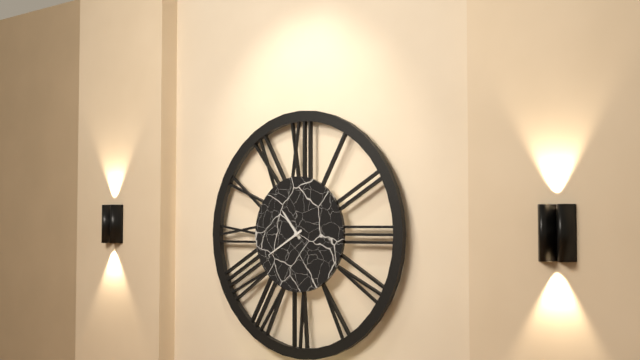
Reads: 10:40
